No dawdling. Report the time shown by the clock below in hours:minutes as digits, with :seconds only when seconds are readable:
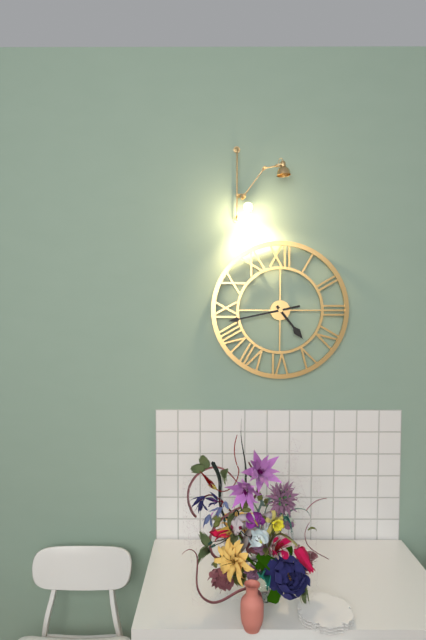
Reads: 4:43
